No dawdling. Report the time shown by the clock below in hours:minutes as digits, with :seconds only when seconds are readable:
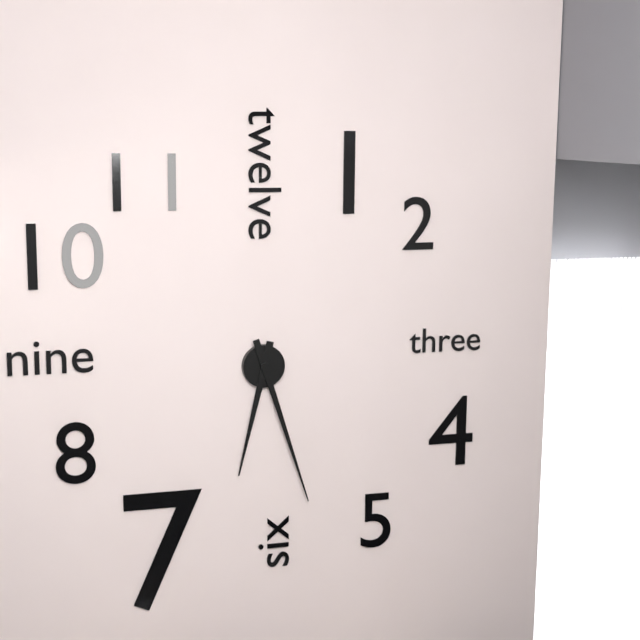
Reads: 6:27
